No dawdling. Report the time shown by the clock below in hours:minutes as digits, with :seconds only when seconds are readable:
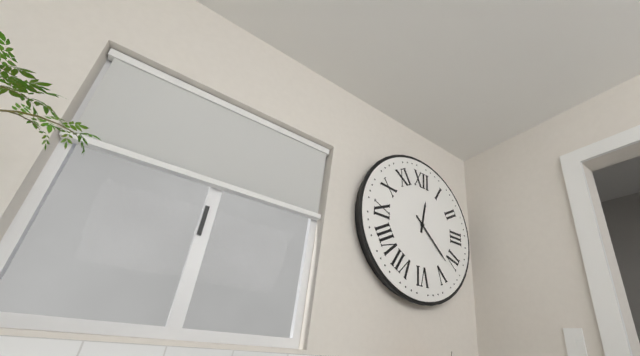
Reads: 12:22
